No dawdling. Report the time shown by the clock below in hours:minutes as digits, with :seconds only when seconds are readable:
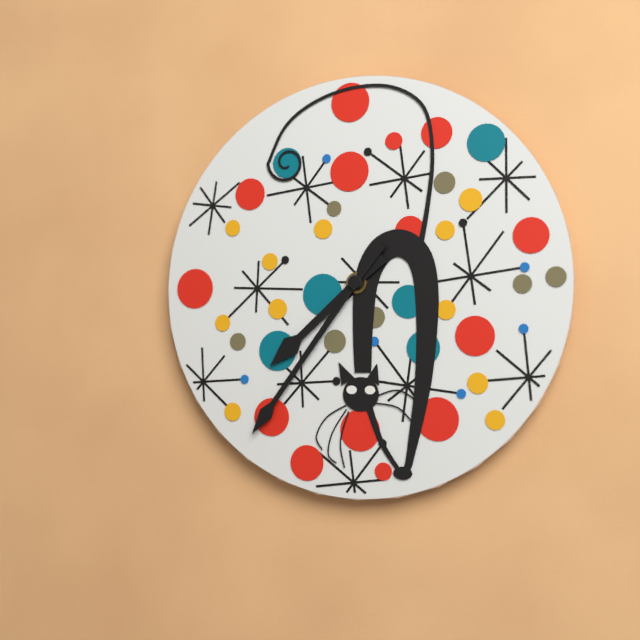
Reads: 7:36
